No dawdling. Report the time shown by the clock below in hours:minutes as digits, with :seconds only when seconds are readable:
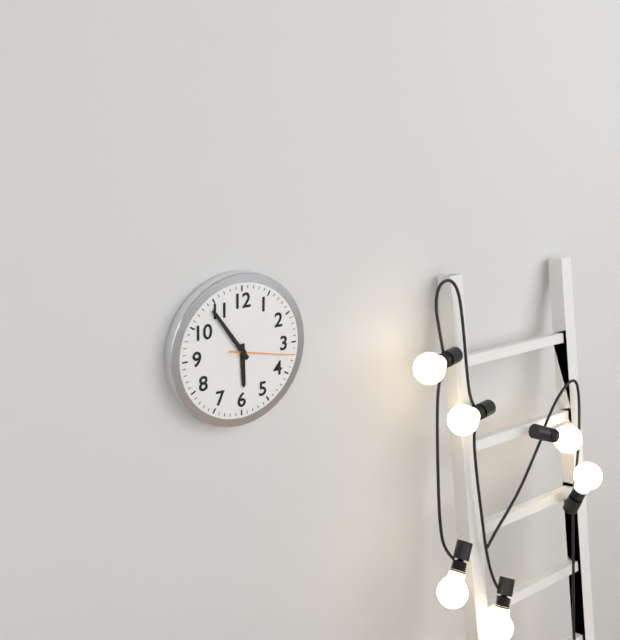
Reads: 5:54:17
